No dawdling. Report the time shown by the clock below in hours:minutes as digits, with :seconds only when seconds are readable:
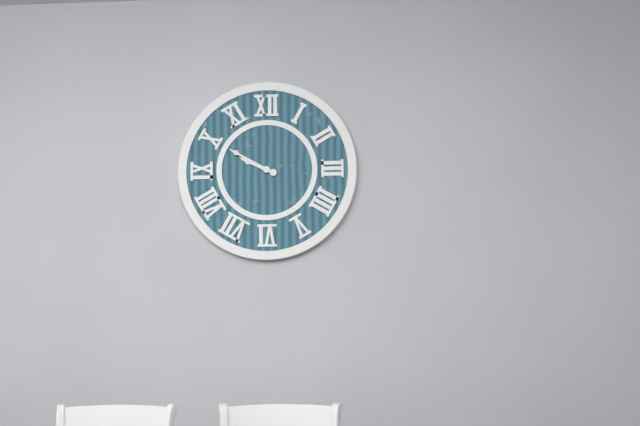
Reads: 9:50
